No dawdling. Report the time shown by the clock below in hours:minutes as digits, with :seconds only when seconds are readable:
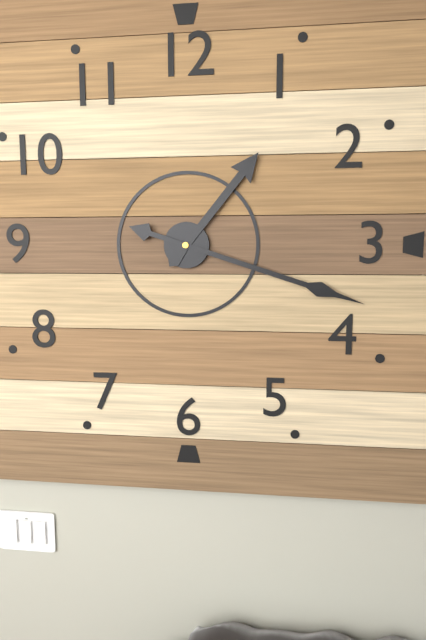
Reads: 1:18
